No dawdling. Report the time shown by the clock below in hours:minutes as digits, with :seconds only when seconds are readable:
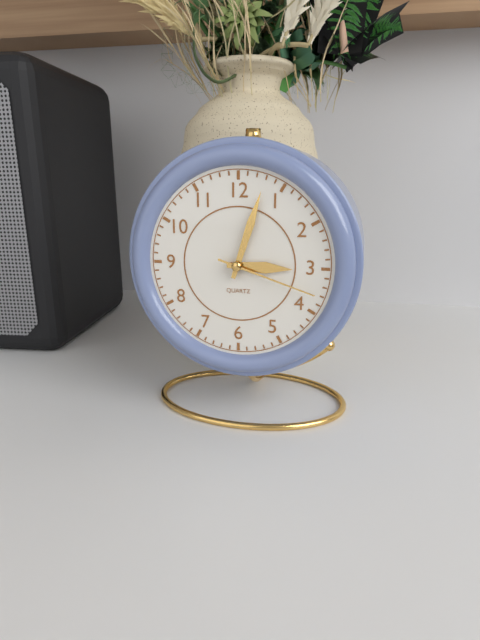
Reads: 3:03:18
